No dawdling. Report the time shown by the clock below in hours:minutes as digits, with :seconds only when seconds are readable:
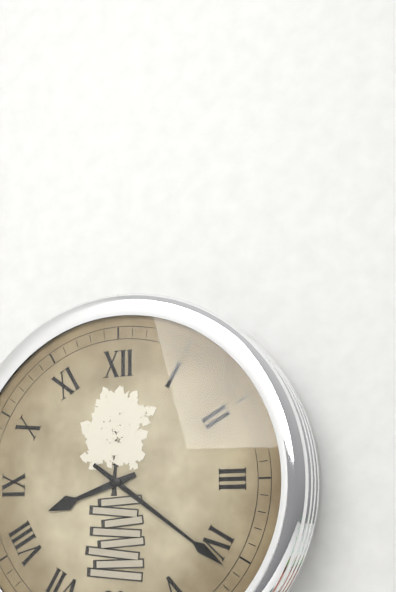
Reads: 8:21
